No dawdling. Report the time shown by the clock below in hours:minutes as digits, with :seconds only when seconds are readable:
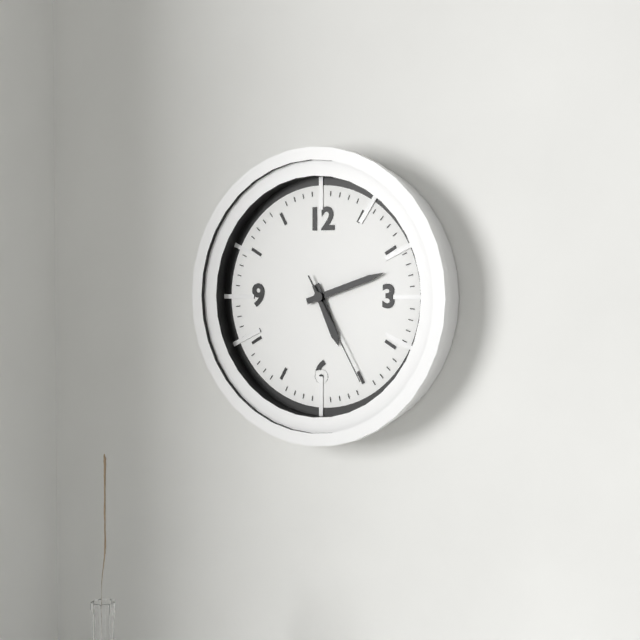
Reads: 5:12:25
